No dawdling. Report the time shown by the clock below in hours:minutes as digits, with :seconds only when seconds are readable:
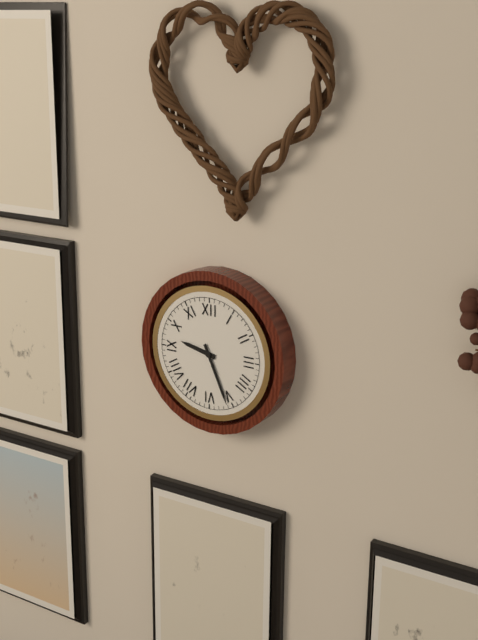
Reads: 9:26
